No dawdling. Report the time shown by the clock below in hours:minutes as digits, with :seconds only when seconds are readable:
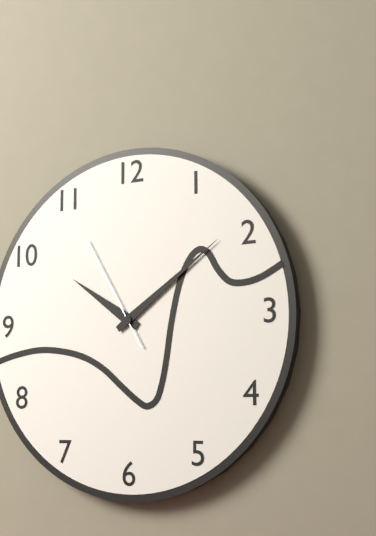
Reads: 10:09:55
